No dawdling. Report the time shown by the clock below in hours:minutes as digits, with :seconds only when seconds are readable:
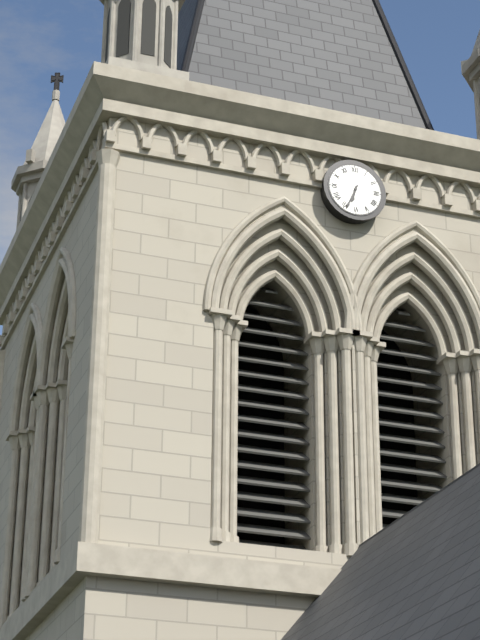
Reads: 6:34
